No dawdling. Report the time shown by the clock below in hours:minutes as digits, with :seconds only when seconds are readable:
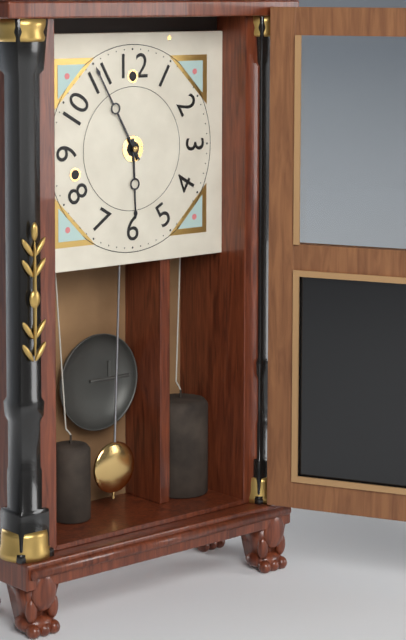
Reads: 5:55
